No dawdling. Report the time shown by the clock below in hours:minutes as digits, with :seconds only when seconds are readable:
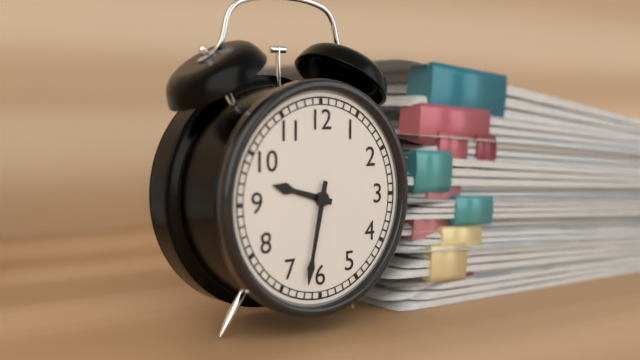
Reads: 9:32
